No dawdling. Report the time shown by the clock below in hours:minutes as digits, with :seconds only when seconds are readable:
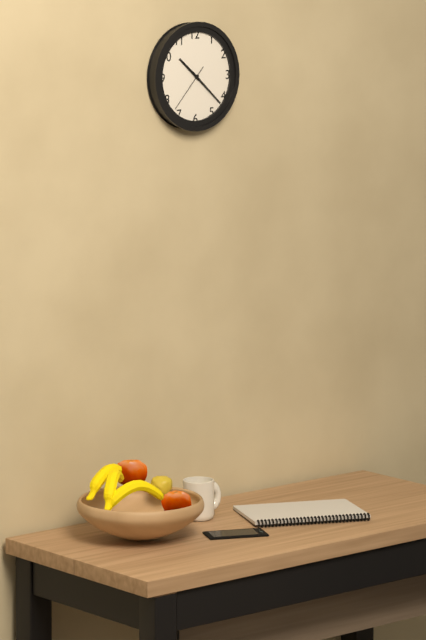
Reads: 10:22
